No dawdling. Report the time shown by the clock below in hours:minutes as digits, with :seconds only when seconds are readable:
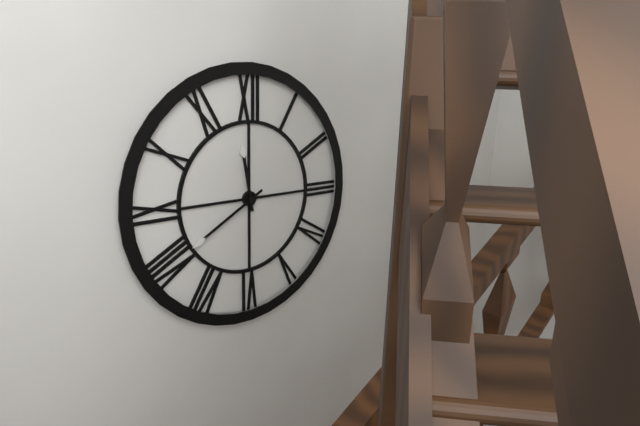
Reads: 11:40
